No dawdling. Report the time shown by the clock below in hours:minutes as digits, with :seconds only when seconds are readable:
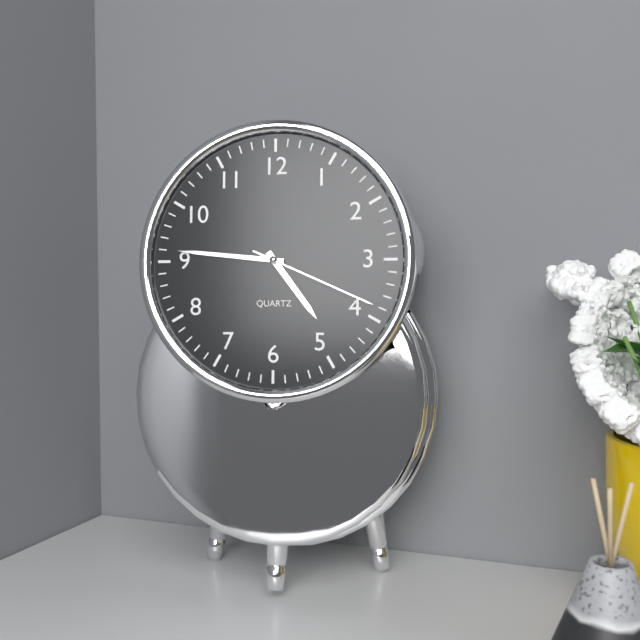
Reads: 4:46:19
